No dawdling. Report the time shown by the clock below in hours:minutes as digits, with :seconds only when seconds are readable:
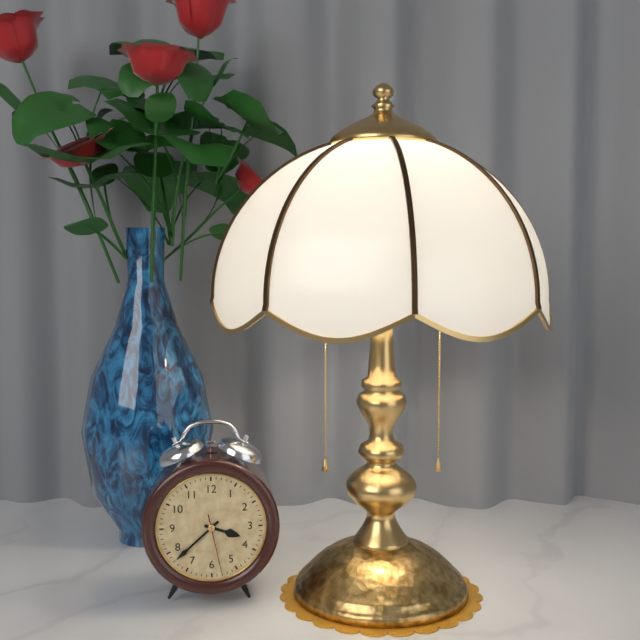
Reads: 3:38:28
